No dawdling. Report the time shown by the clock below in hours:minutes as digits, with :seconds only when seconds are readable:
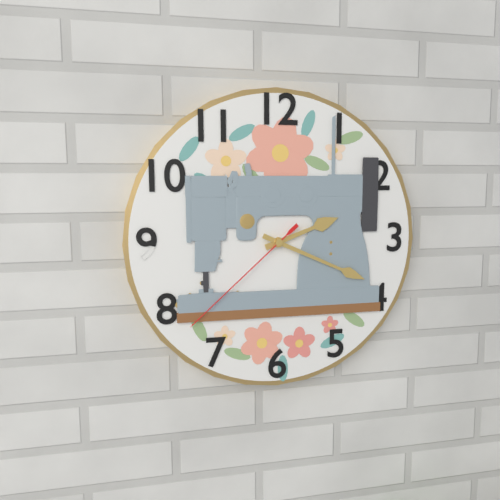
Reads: 2:19:38
